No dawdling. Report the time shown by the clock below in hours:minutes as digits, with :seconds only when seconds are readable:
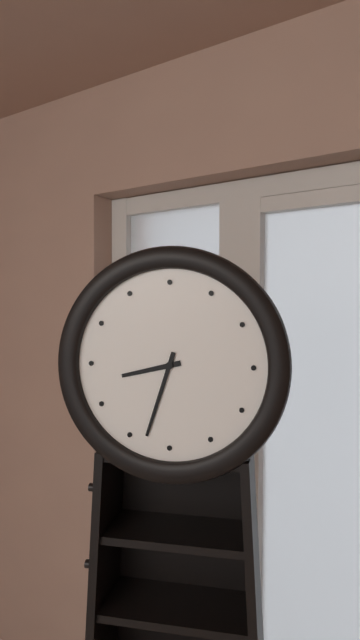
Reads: 8:33
